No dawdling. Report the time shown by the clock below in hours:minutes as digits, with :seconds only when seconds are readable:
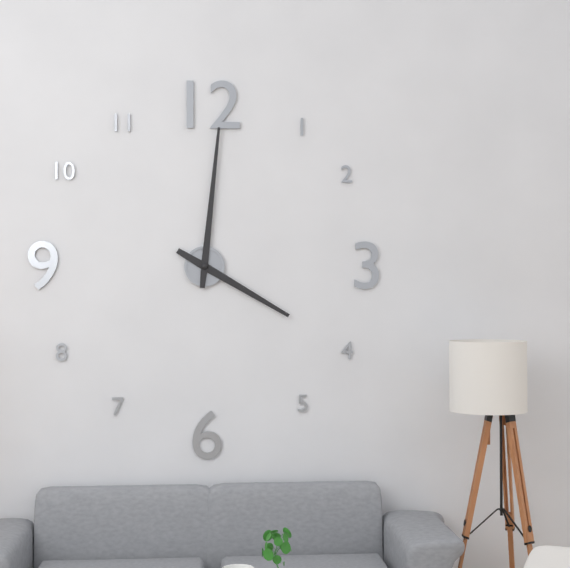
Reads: 4:01
